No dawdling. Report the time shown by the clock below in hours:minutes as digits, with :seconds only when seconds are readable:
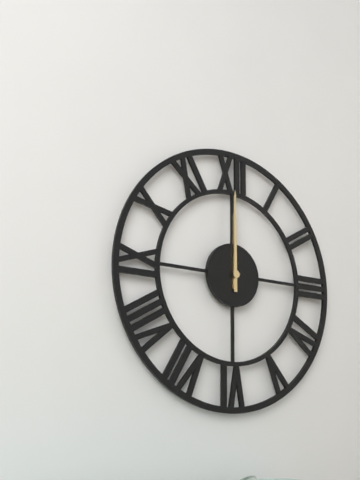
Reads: 12:00
